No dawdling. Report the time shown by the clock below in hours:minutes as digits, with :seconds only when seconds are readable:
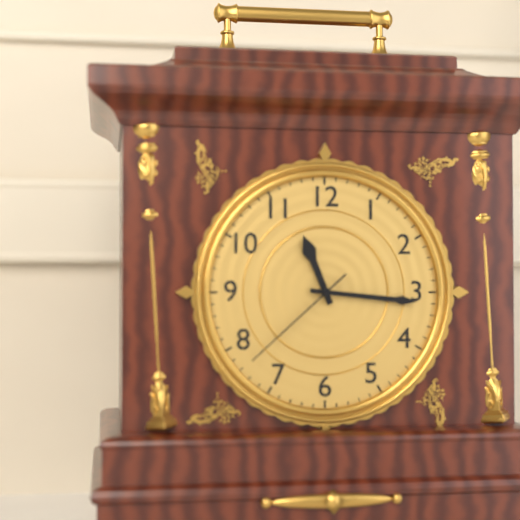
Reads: 11:16:38
